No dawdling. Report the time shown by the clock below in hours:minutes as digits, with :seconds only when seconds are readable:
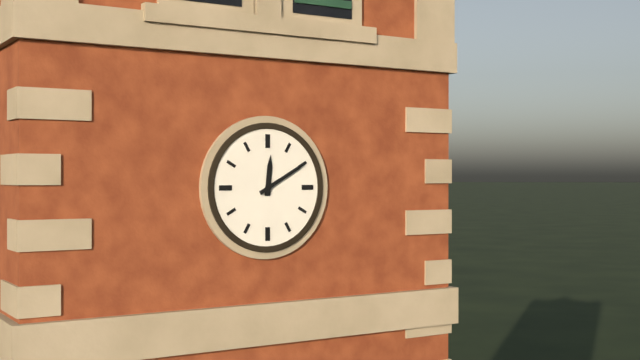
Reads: 12:10
